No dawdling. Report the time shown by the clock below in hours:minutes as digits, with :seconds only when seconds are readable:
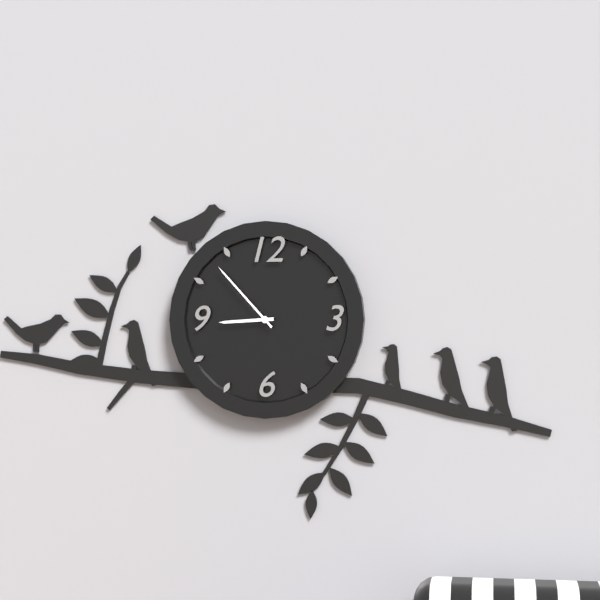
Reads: 8:53
